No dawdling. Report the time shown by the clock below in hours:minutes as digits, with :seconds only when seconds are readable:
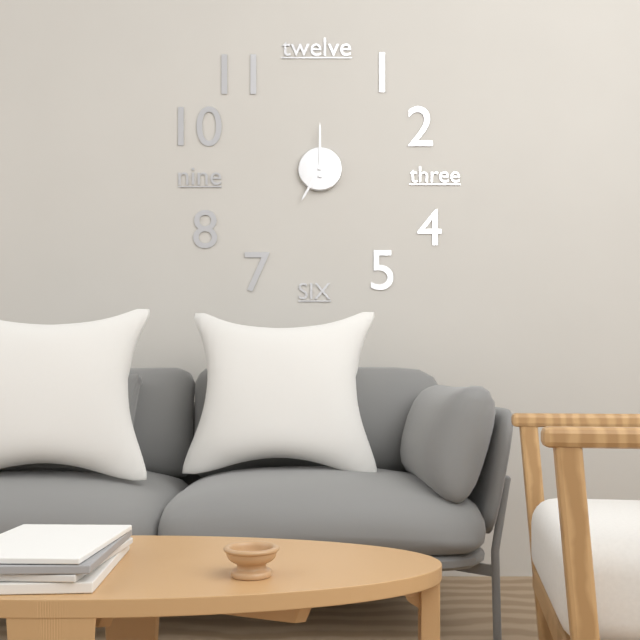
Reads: 7:00
